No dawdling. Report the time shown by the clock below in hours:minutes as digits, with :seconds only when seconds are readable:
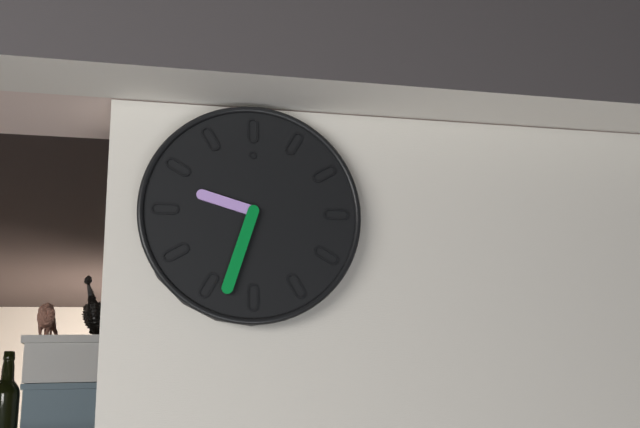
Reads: 9:33
